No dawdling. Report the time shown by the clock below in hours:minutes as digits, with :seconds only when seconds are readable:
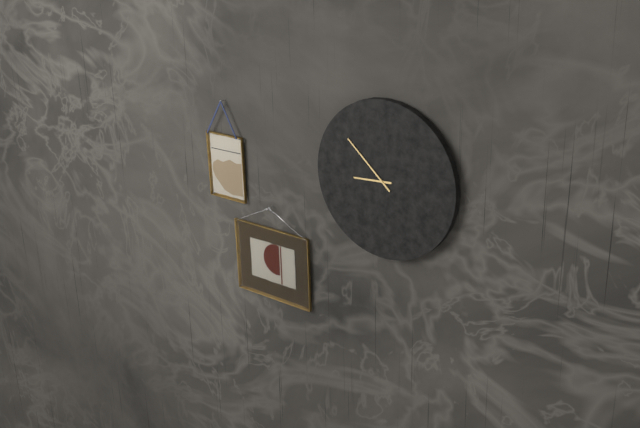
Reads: 8:52
